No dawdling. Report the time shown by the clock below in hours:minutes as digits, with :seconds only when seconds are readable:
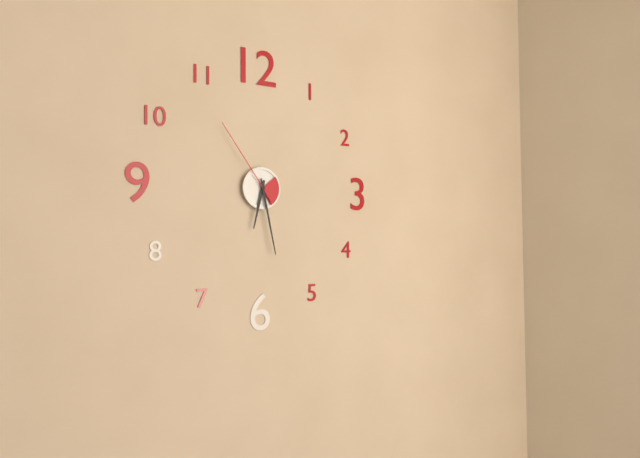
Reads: 6:28:54
